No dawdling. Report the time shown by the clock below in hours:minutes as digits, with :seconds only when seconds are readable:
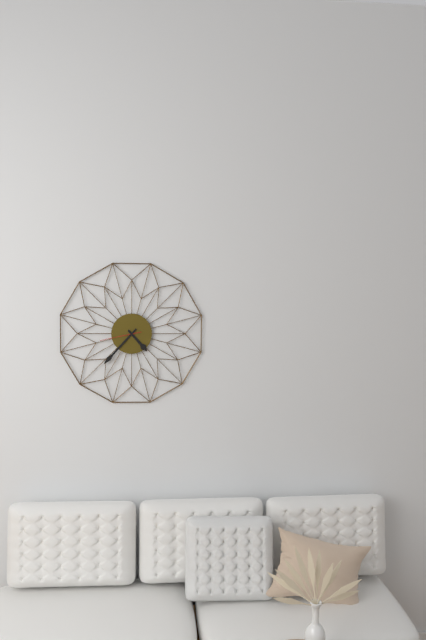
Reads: 4:37
